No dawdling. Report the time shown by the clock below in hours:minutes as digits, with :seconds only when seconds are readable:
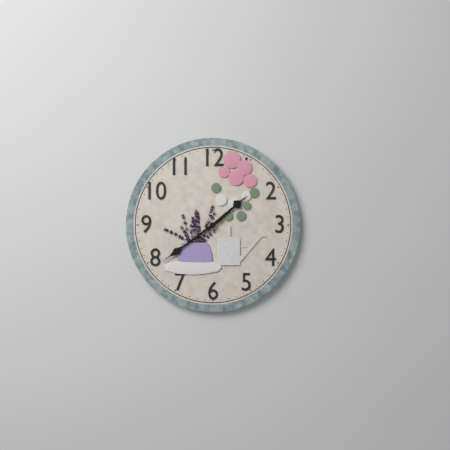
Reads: 1:39
